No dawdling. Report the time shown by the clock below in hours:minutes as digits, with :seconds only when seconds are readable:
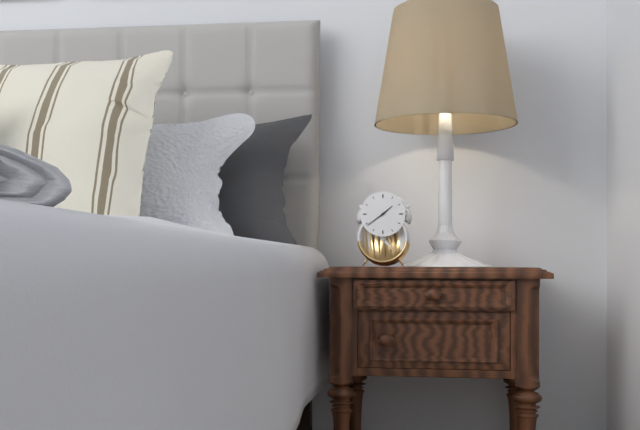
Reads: 1:39
